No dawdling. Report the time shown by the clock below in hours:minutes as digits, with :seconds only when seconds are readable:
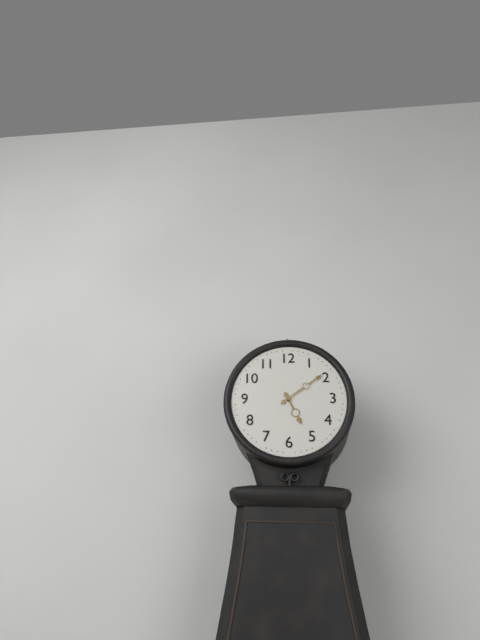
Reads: 5:09
